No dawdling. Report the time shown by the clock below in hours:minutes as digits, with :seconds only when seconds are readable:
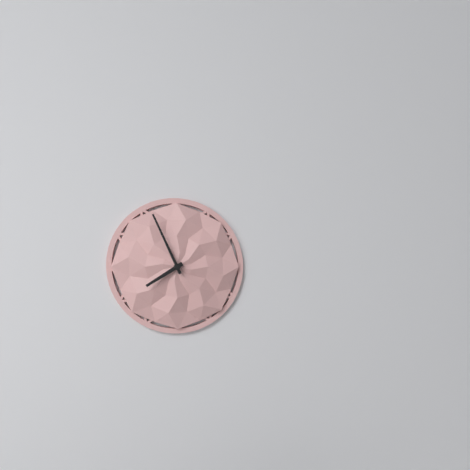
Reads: 7:56
